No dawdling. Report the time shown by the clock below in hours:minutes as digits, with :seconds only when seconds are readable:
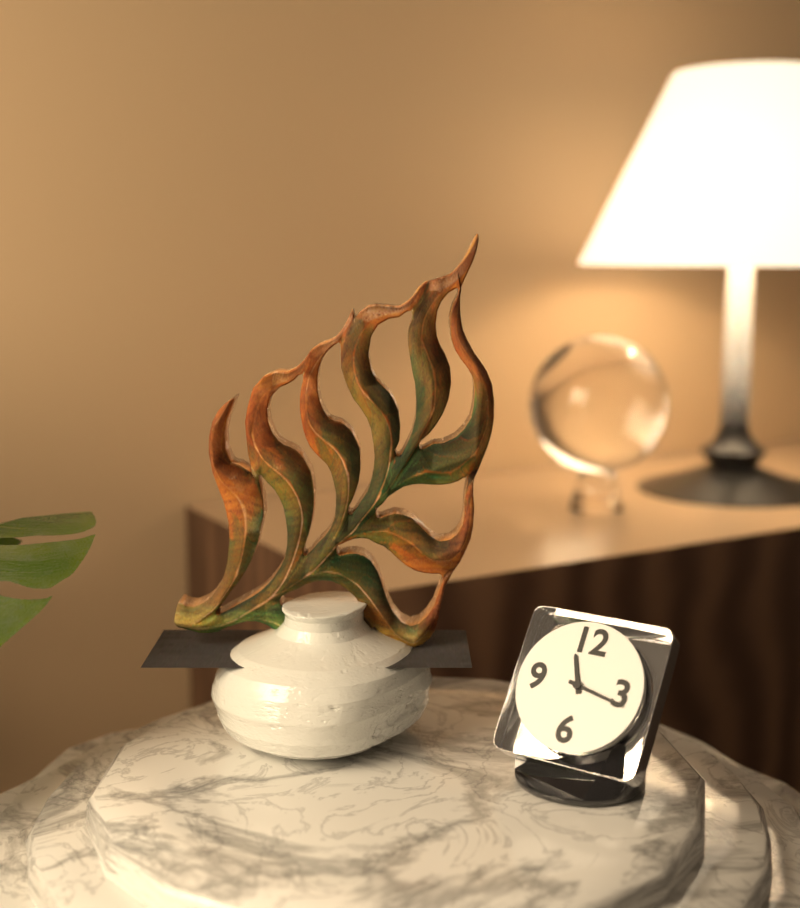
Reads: 11:17
